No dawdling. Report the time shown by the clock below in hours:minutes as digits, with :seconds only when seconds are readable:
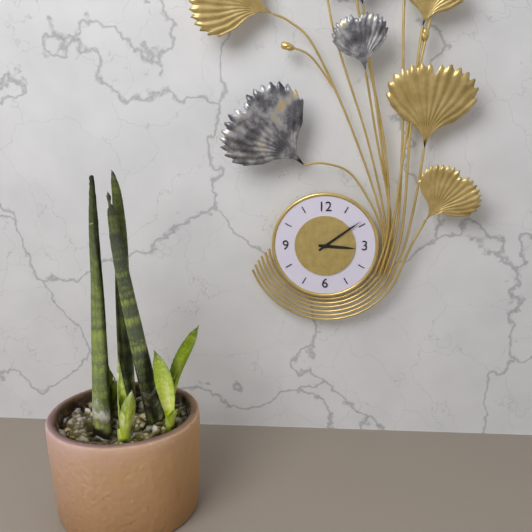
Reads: 3:09
